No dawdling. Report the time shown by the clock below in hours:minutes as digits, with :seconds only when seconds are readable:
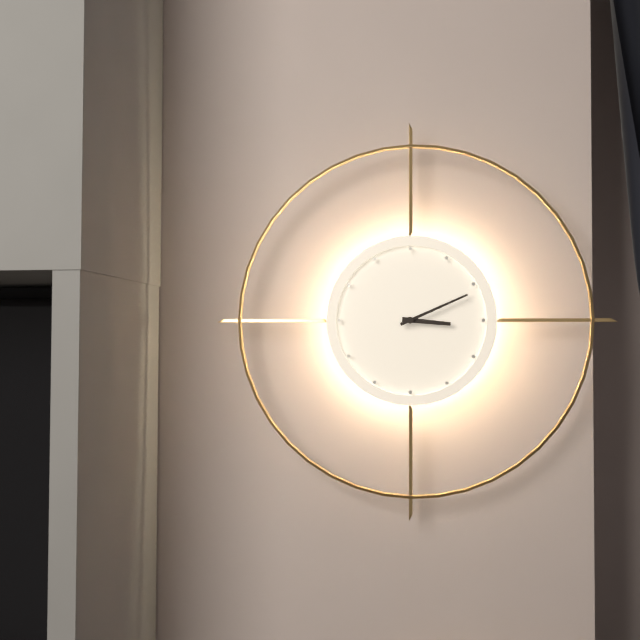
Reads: 3:11
